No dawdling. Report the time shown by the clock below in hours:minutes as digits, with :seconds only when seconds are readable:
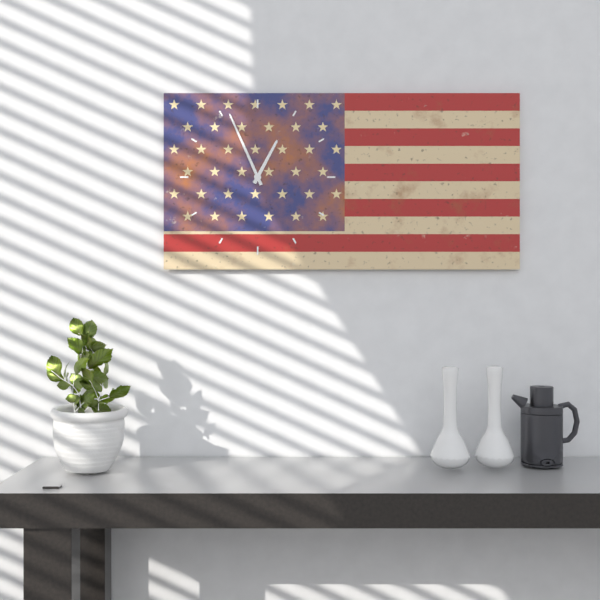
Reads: 12:56
